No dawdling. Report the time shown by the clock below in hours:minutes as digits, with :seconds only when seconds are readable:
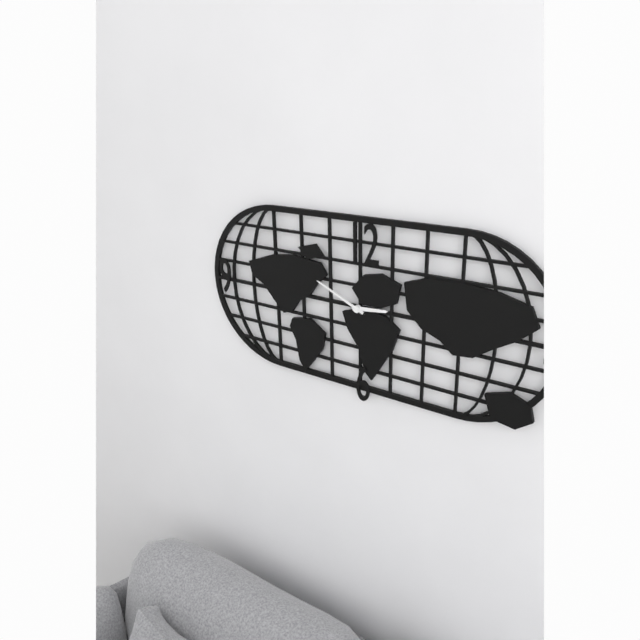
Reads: 2:49
